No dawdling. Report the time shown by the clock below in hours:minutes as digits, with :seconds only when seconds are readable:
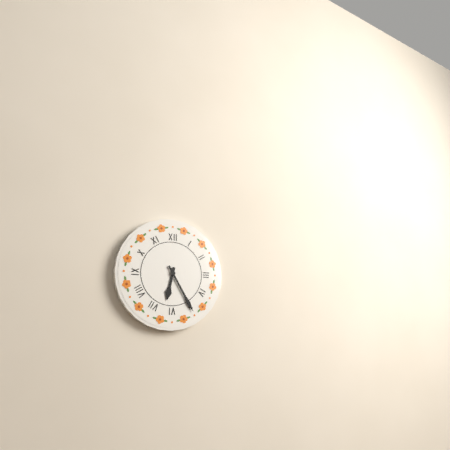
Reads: 6:25
